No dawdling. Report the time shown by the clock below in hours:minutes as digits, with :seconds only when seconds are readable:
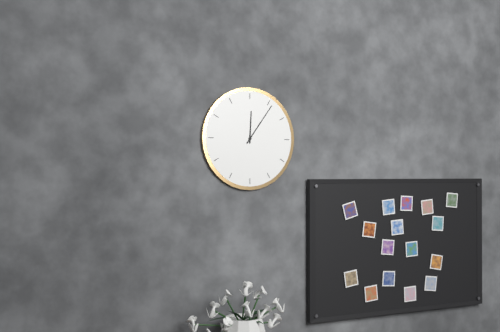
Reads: 12:06
